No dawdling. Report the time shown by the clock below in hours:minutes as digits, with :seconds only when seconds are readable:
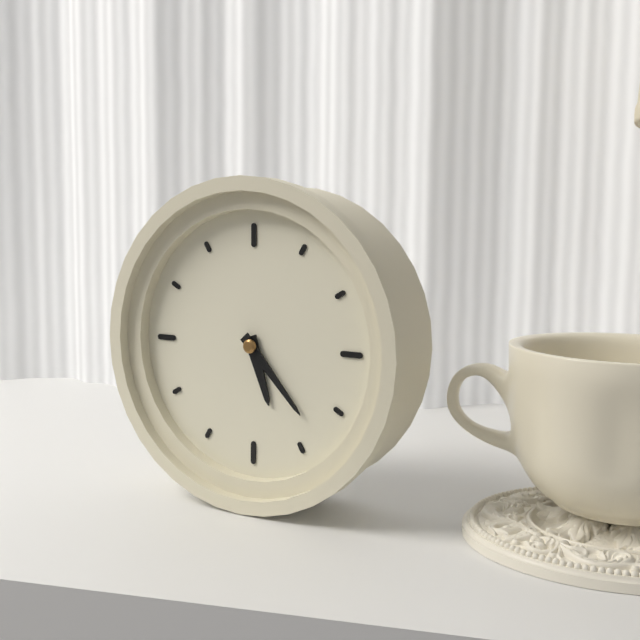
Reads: 5:23
